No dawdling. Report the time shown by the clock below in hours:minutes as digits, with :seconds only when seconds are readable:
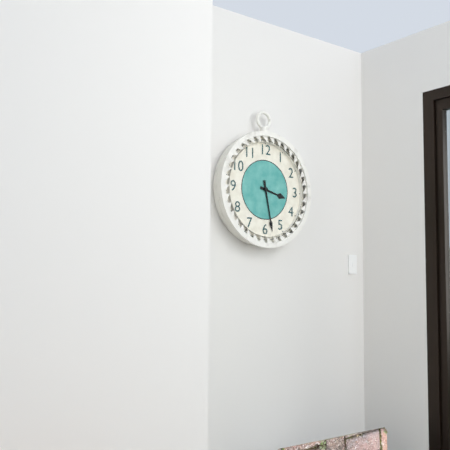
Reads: 3:28
